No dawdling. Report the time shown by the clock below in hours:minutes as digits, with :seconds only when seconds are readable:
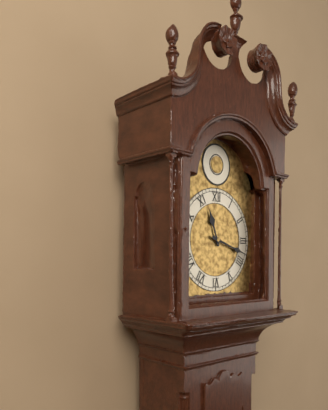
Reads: 11:18
